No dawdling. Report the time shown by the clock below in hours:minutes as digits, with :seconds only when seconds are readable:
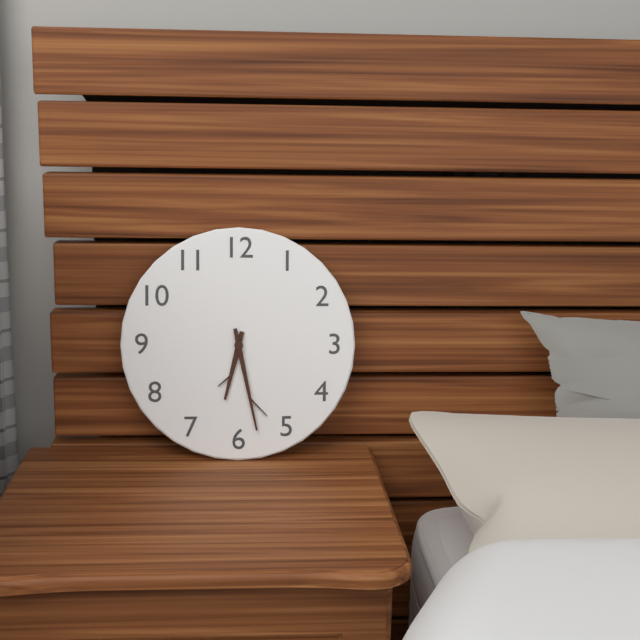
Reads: 6:28
